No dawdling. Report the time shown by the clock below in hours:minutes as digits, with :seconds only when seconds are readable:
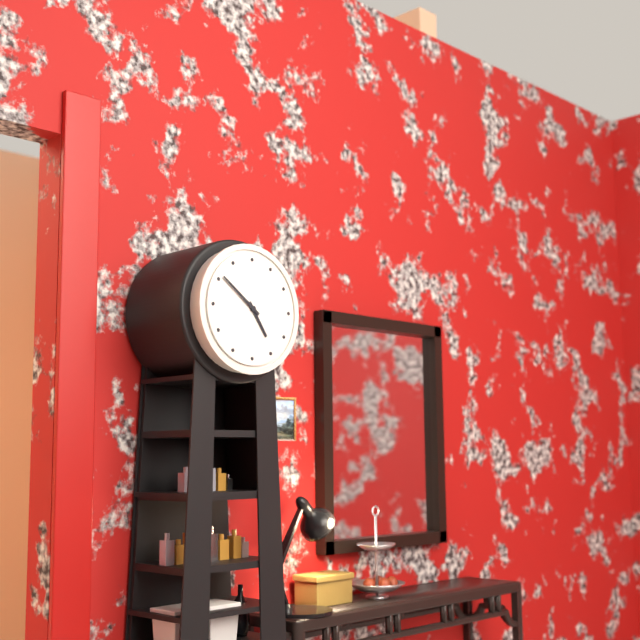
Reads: 4:51
